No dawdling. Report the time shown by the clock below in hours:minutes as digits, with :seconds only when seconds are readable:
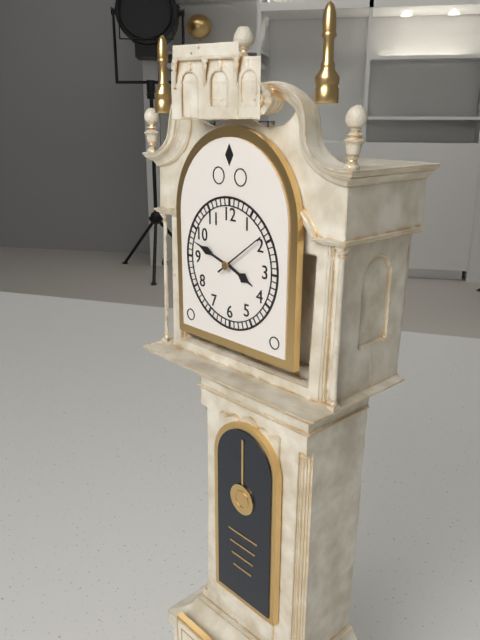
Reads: 3:48
